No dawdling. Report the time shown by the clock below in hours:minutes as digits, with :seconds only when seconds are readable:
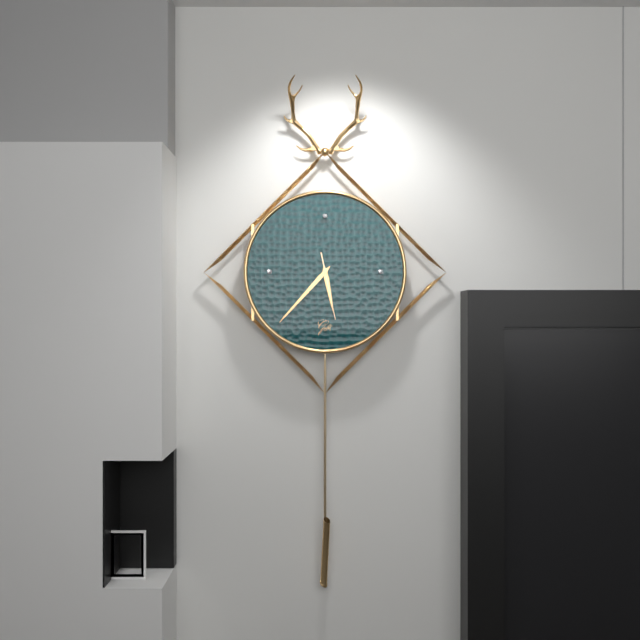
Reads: 5:37:28
